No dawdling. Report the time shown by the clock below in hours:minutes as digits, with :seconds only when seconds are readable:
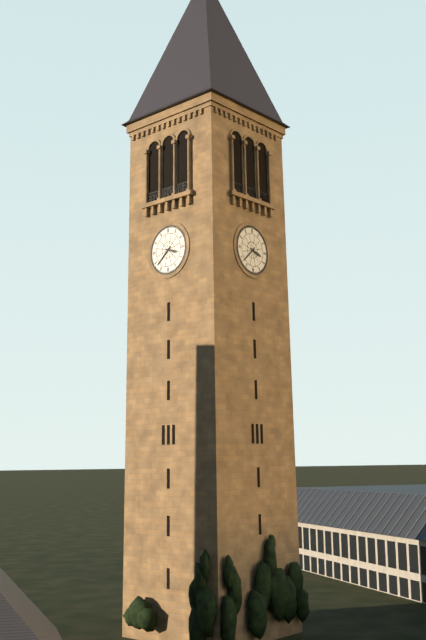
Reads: 3:38
